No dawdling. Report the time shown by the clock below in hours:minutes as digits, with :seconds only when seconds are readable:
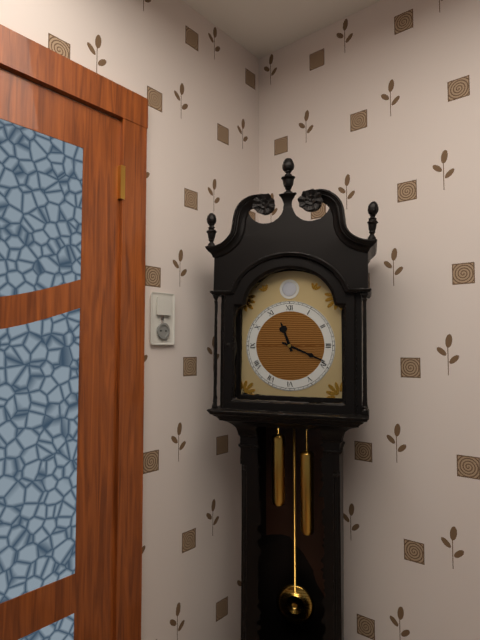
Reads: 11:19
